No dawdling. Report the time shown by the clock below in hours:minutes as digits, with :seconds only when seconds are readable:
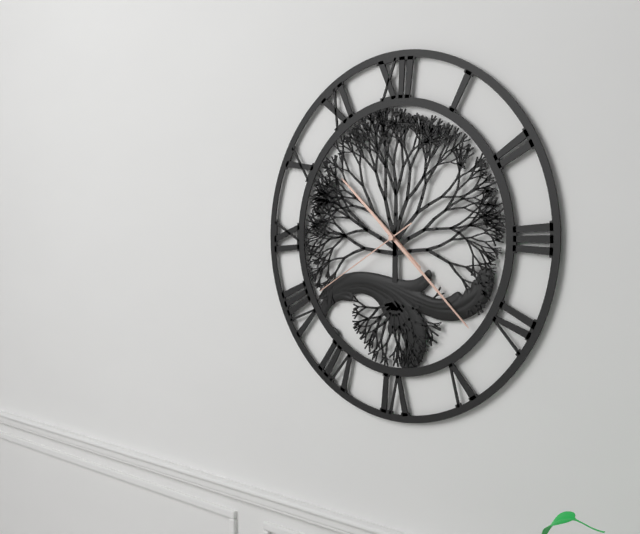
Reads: 10:22:40
